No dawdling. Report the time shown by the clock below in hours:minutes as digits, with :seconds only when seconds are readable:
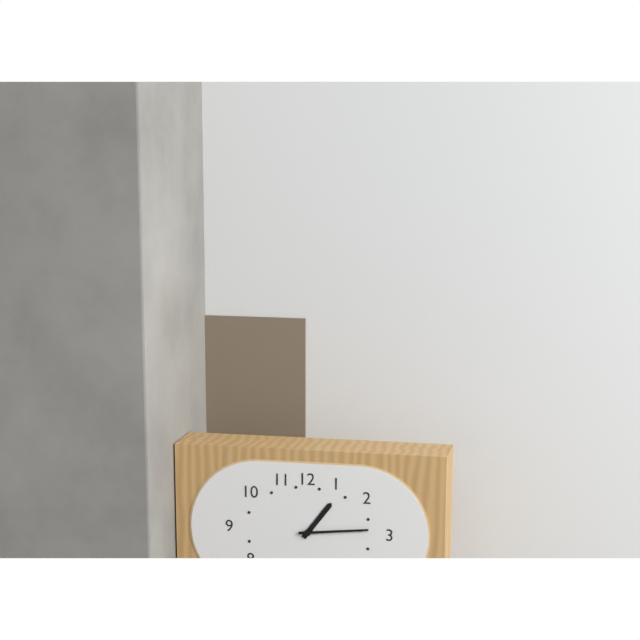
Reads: 1:14
